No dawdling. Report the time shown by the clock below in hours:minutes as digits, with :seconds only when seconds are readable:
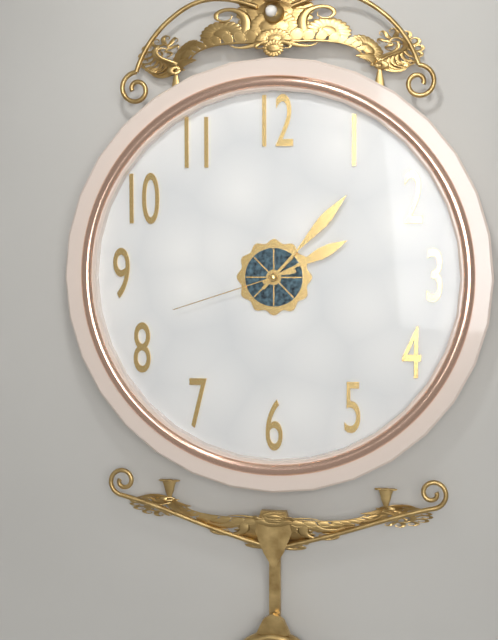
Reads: 2:07:42
